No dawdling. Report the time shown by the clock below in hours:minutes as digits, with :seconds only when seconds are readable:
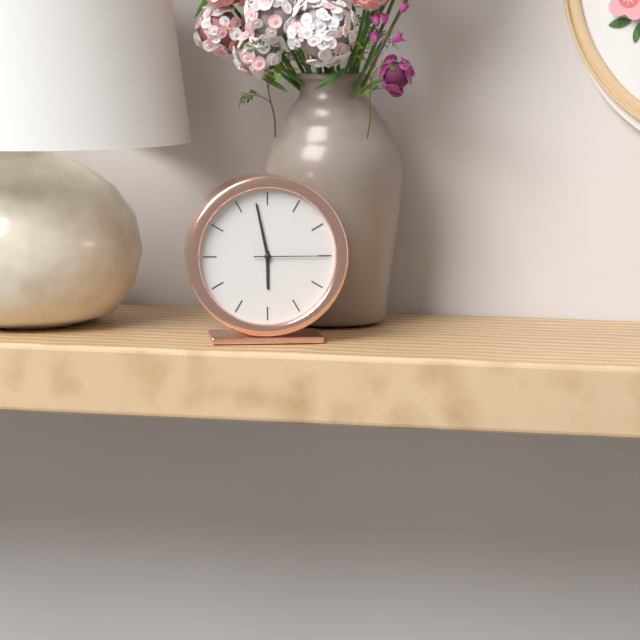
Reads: 5:58:15
